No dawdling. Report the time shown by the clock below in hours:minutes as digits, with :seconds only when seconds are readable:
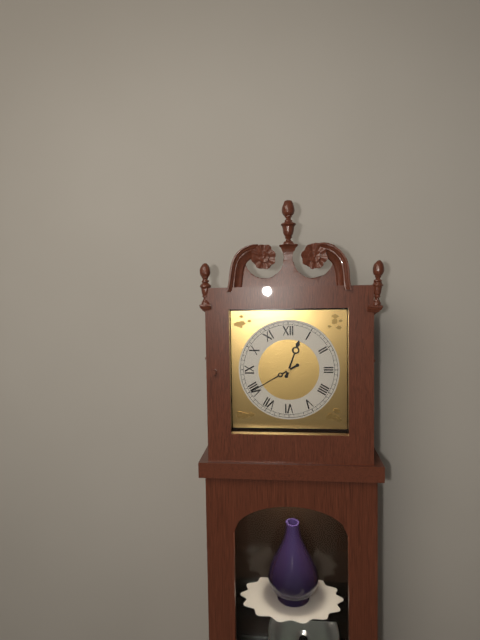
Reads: 12:40
